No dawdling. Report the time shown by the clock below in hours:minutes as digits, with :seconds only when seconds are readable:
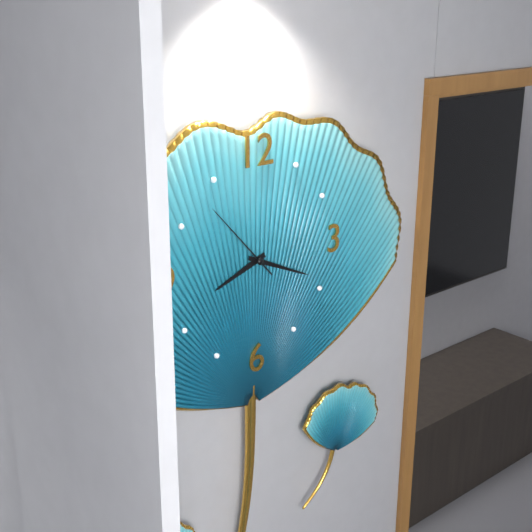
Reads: 8:19:53
